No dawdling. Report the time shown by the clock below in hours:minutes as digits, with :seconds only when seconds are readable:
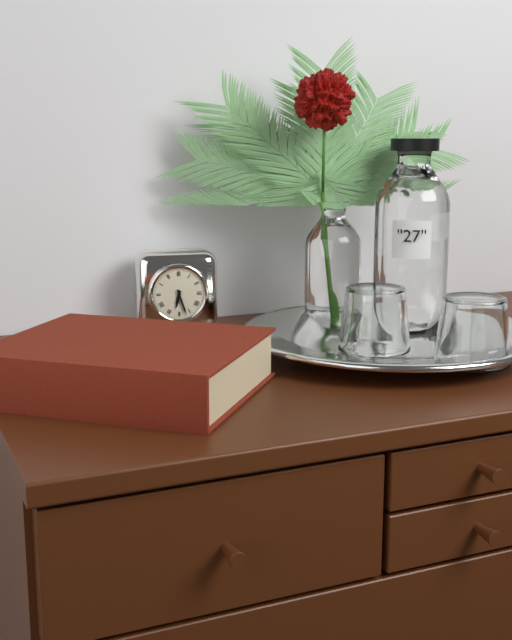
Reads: 6:27
